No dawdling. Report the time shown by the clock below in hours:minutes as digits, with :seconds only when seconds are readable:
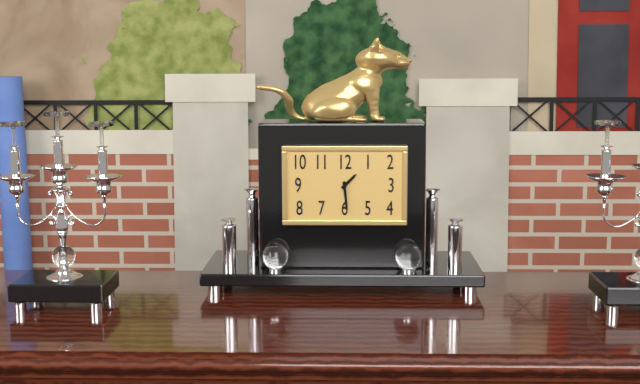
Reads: 1:29
